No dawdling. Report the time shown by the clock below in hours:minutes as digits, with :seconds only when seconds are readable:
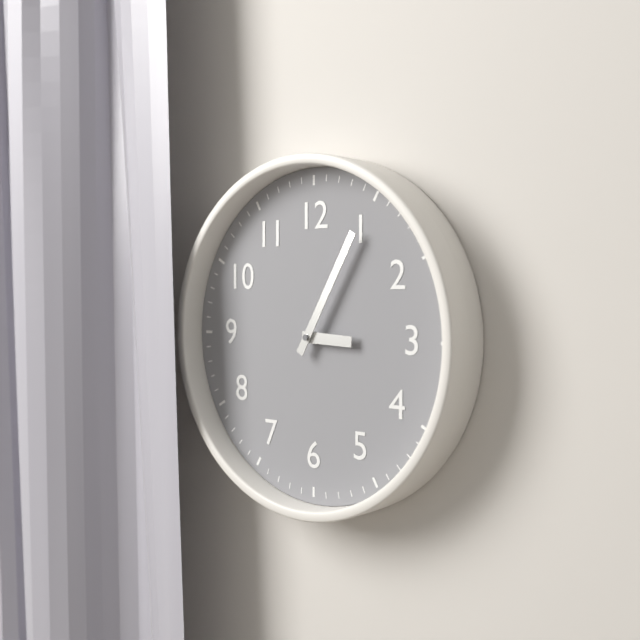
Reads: 3:05
